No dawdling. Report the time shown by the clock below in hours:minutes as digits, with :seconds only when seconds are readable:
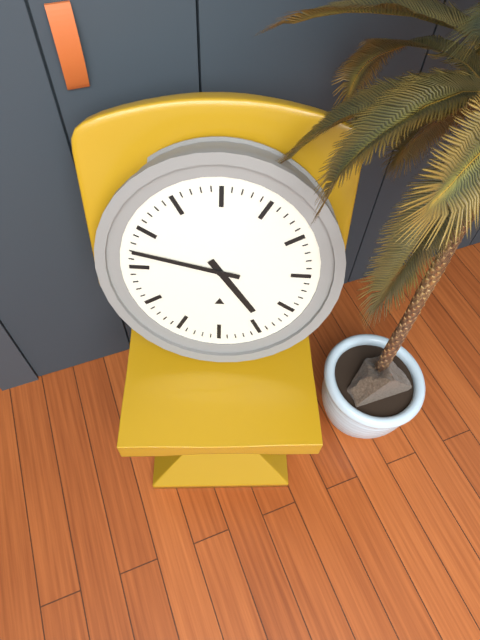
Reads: 4:47
